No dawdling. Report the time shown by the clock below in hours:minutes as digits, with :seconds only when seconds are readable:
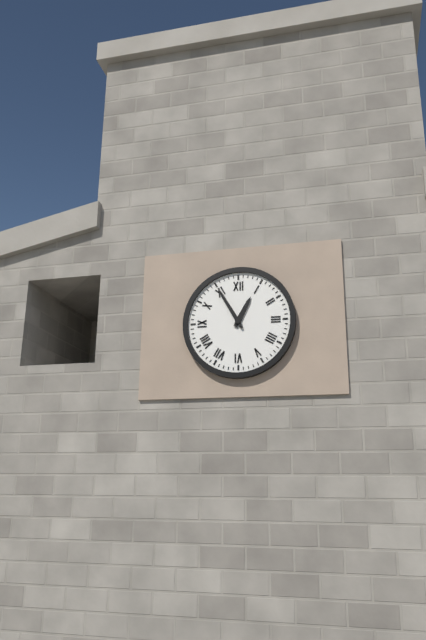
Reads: 12:55
